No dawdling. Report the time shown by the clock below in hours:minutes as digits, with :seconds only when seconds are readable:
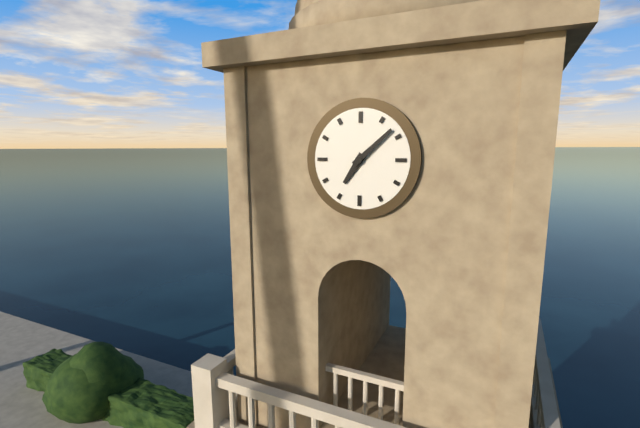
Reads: 7:08
